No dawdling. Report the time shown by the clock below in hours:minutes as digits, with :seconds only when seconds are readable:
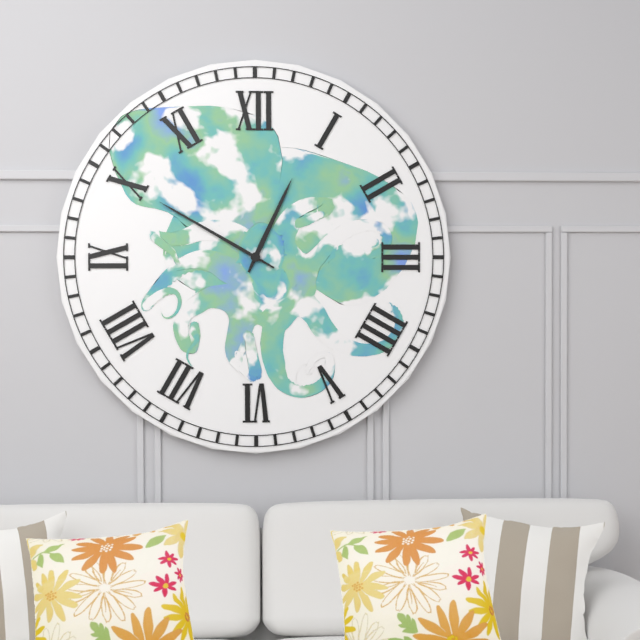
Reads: 12:50
